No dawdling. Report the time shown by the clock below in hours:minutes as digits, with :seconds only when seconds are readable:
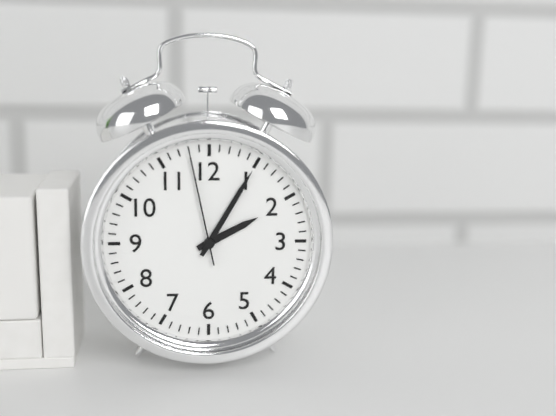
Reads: 2:05:58
